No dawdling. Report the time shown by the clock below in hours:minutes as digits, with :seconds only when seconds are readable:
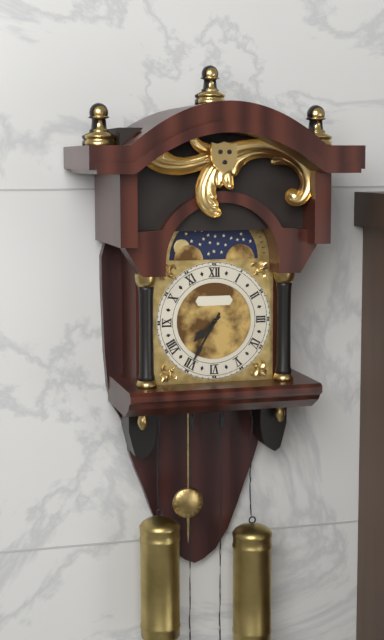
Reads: 7:35
